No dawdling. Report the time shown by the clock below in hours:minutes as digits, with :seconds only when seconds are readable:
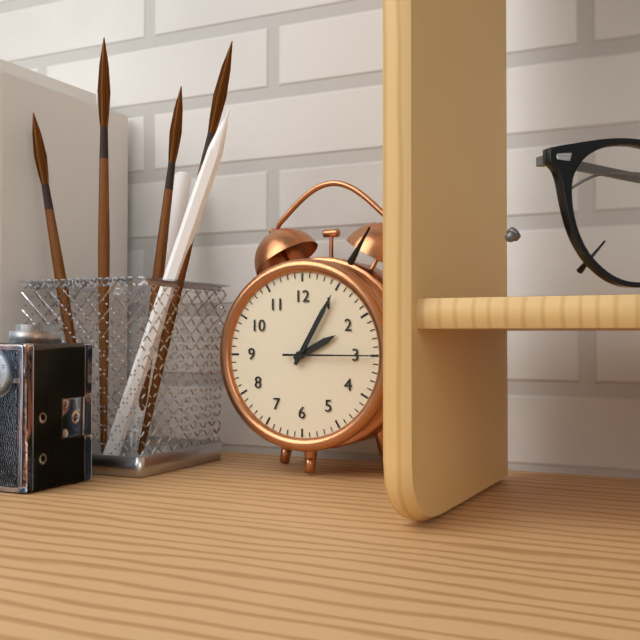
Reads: 2:05:15
